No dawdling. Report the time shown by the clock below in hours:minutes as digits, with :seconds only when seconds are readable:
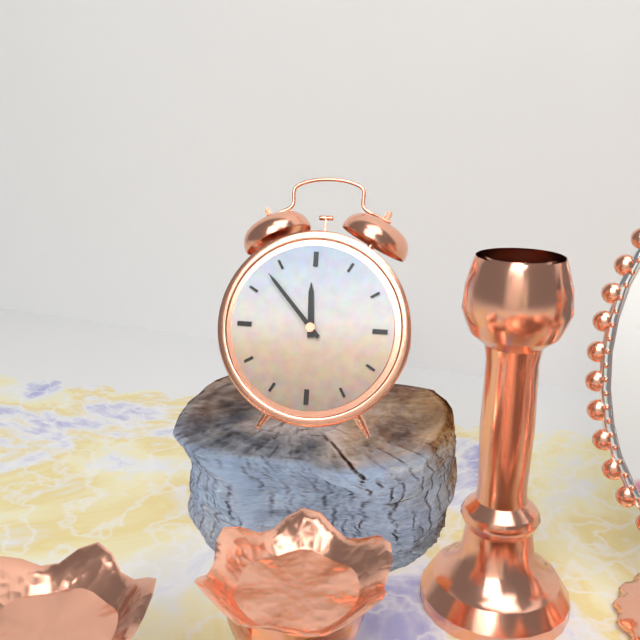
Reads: 11:53
